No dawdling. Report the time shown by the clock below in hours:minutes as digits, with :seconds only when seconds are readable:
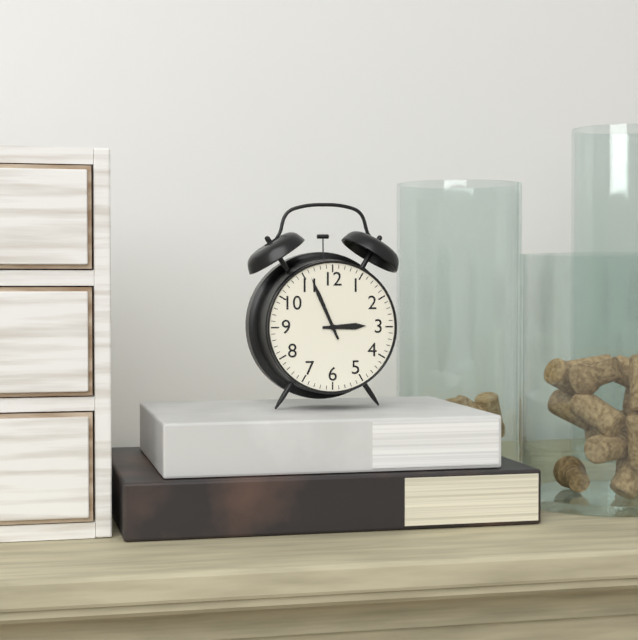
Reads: 2:56
